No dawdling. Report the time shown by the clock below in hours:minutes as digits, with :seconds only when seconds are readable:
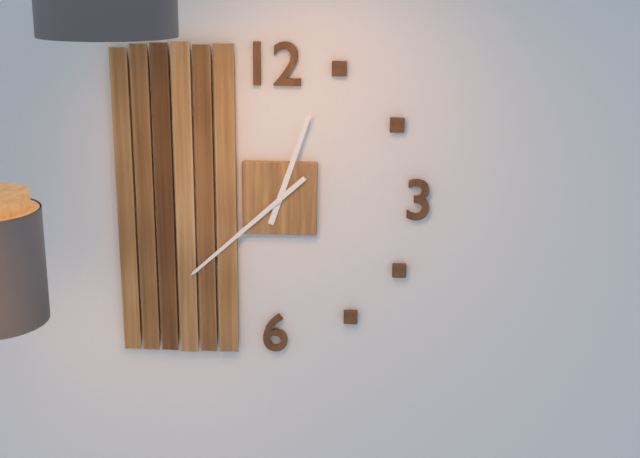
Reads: 12:38
